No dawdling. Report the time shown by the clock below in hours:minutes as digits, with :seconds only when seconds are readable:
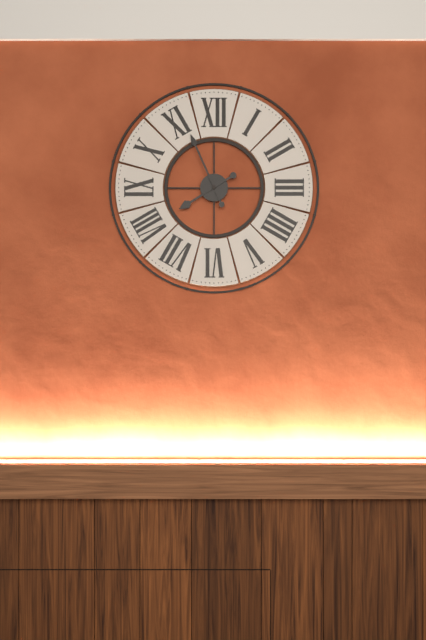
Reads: 7:56
